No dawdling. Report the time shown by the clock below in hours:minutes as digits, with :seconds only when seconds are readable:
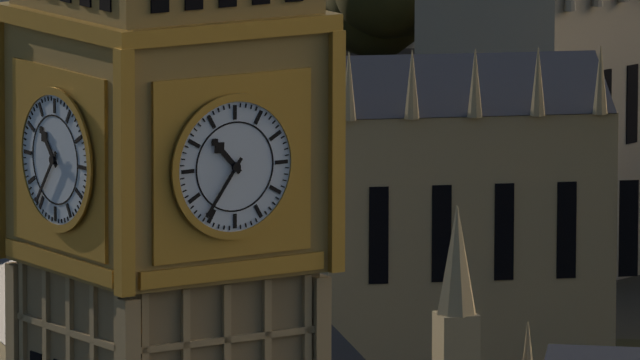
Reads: 10:36
